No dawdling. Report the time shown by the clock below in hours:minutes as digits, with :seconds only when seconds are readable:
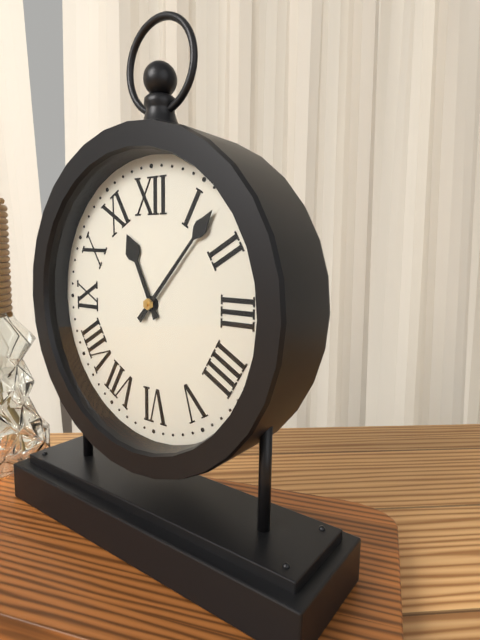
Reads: 11:07
